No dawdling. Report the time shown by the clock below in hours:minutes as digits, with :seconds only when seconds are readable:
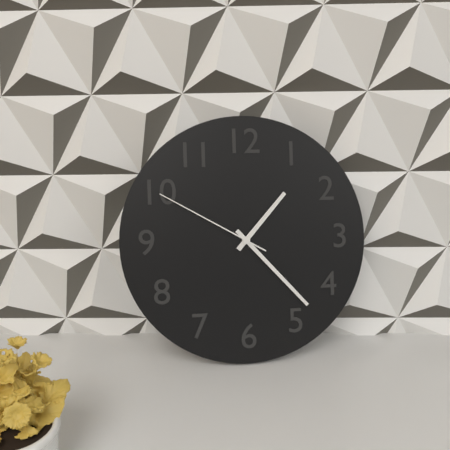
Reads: 1:23:50
